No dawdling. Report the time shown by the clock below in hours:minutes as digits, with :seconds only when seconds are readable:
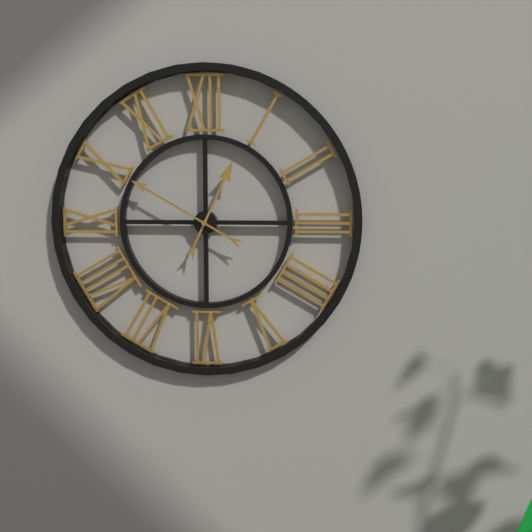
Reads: 12:50
